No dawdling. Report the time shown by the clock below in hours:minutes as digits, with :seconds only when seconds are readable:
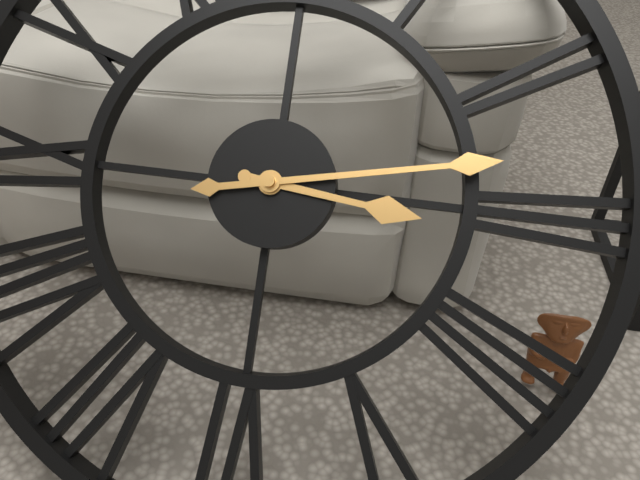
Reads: 3:13
